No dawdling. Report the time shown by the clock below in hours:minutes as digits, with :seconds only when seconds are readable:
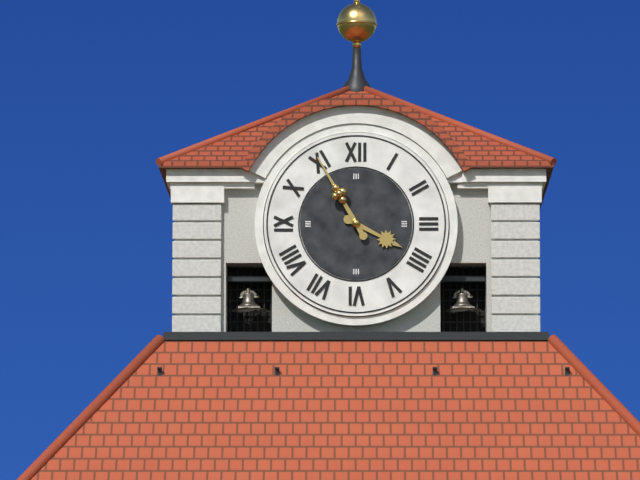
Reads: 3:55
